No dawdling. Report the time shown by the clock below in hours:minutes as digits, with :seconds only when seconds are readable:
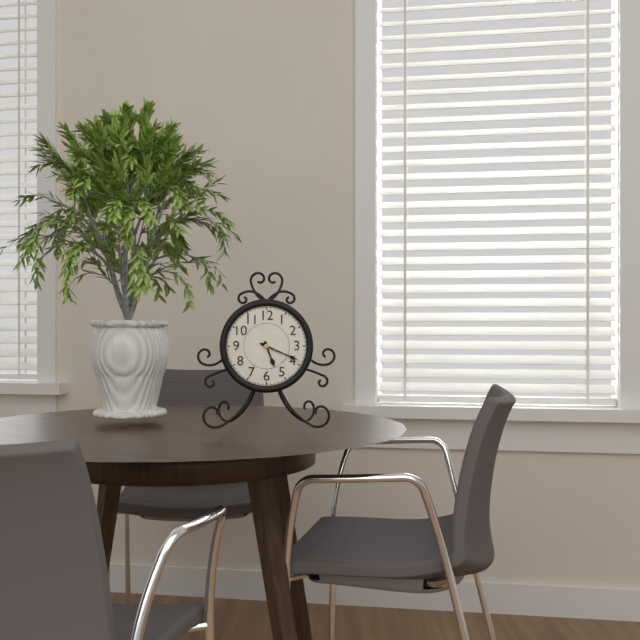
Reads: 5:19
